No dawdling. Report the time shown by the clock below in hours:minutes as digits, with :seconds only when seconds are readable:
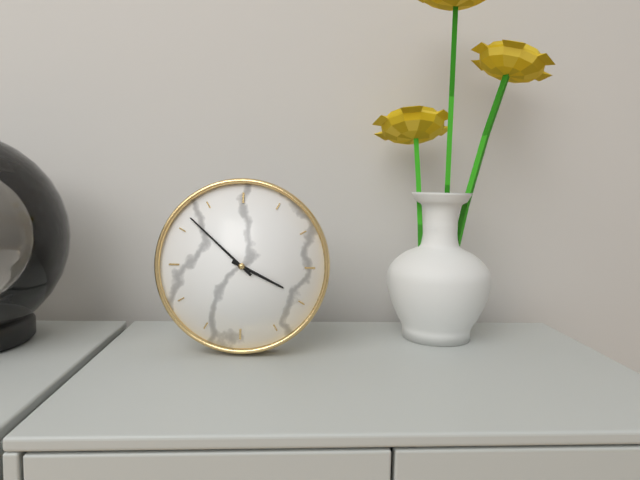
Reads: 3:52
